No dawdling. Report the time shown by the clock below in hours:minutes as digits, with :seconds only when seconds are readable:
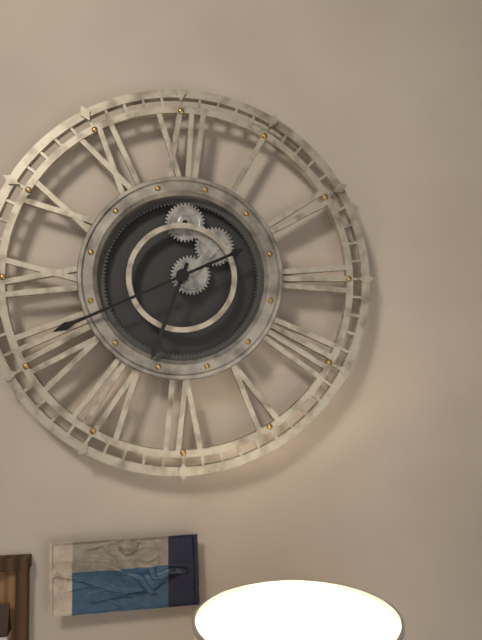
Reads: 6:41
